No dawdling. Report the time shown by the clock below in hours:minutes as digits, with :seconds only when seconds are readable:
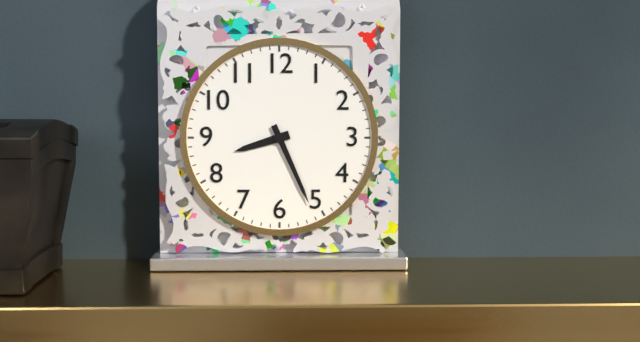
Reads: 8:26
